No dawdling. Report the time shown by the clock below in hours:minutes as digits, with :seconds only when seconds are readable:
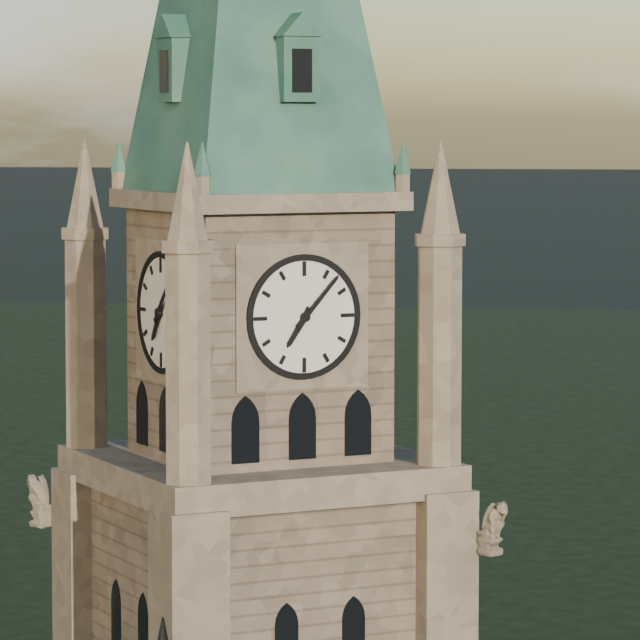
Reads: 7:07
